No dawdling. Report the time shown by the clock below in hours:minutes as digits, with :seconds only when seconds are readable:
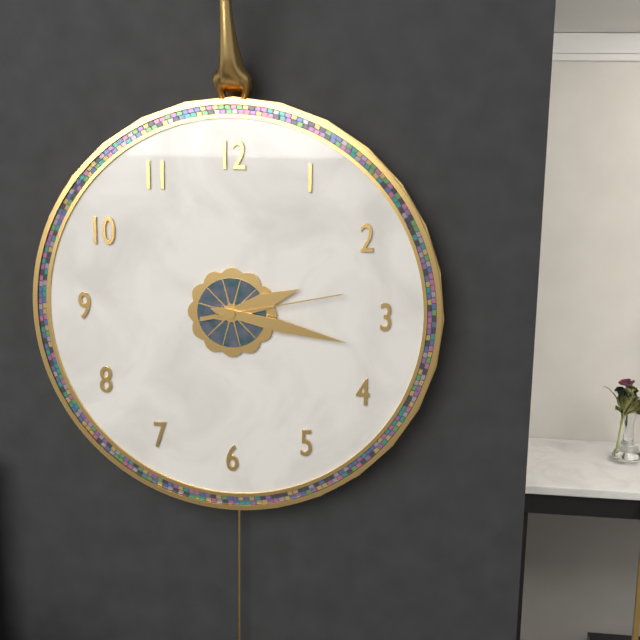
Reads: 2:17:13
